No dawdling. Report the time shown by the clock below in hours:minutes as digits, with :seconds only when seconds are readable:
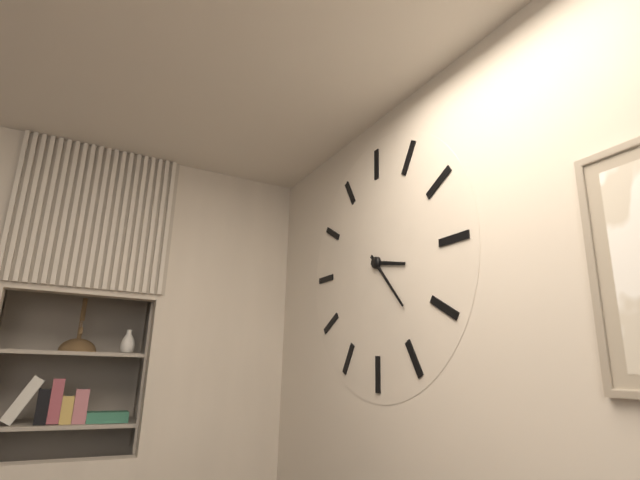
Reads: 3:23
